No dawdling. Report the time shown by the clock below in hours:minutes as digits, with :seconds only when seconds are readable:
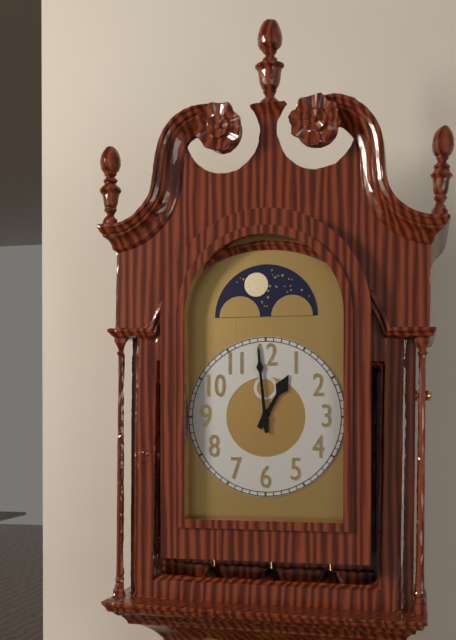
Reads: 12:59
